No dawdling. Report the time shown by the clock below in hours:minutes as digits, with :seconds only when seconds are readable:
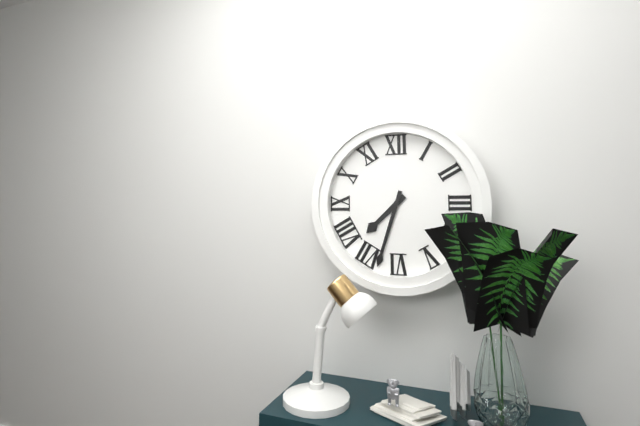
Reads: 7:33
